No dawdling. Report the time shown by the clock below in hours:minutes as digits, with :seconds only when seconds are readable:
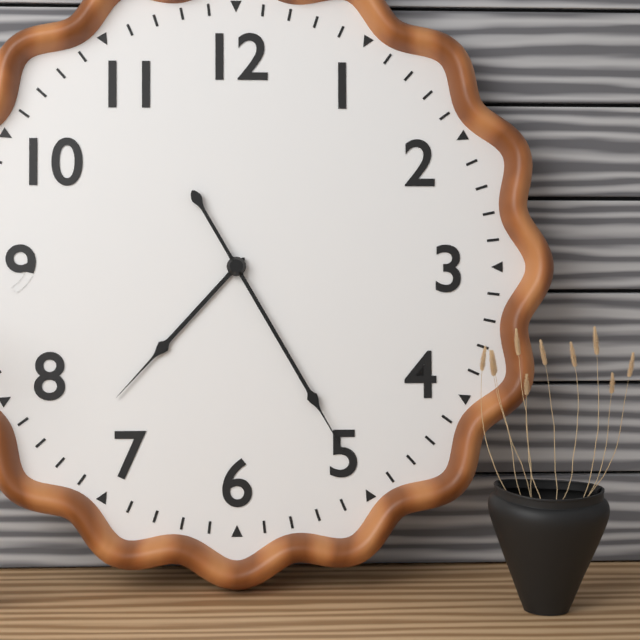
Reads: 7:25
